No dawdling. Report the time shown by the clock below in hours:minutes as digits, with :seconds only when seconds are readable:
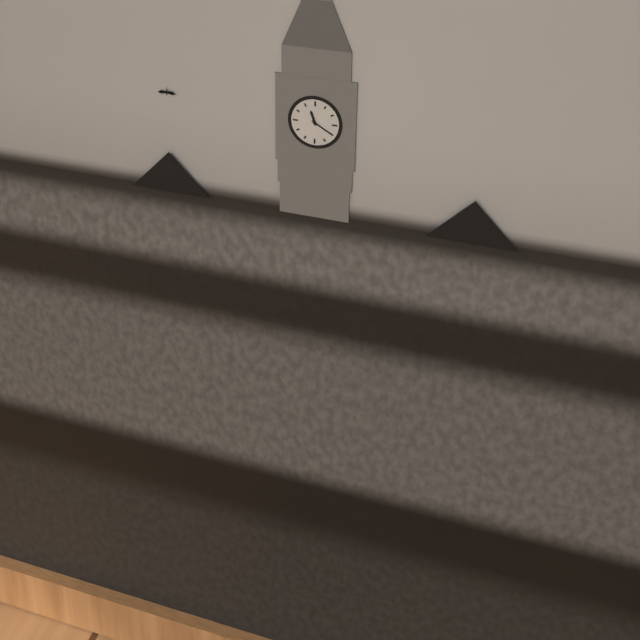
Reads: 11:20
